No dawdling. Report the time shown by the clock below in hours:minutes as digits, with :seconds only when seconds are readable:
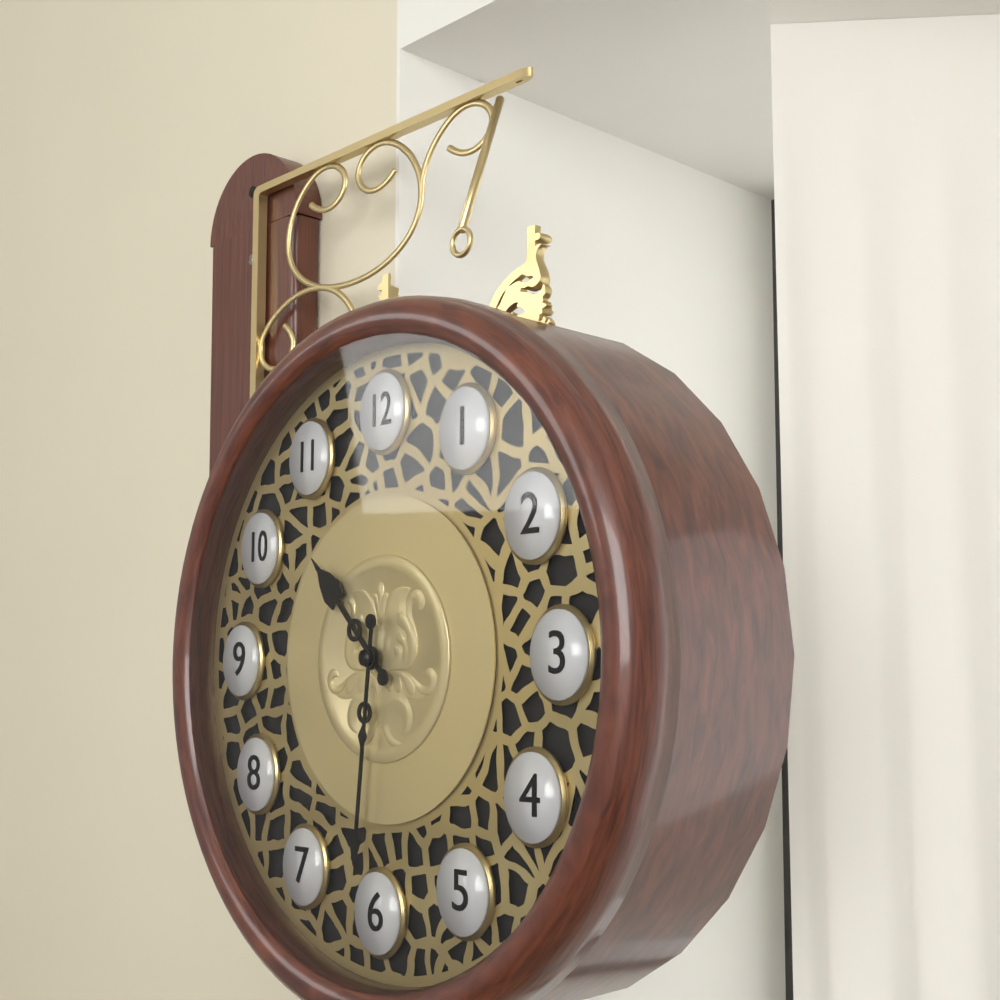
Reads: 10:31
